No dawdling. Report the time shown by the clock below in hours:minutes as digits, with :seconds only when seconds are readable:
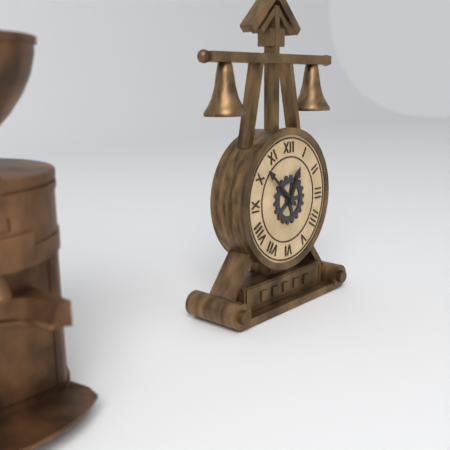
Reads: 12:52
